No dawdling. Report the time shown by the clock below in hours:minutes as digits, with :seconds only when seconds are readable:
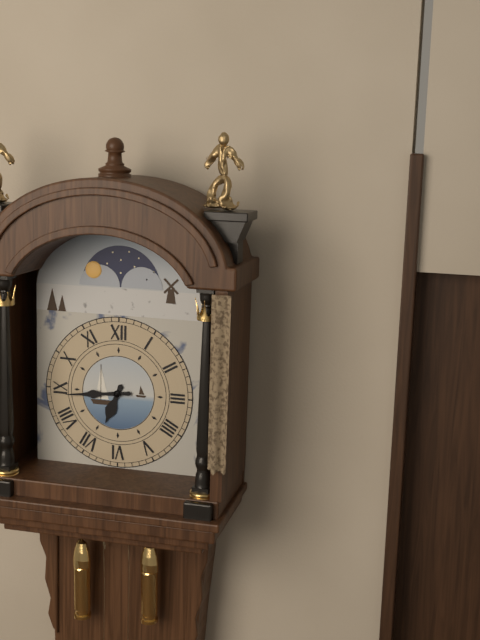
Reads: 6:44
